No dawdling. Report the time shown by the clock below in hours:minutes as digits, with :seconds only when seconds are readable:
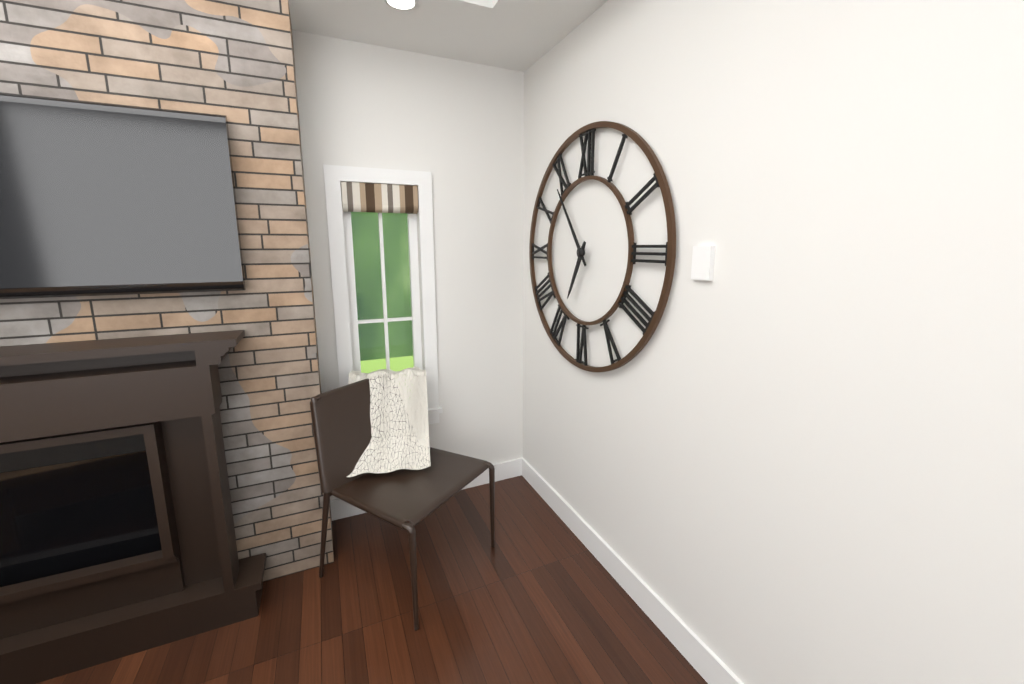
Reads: 6:54
